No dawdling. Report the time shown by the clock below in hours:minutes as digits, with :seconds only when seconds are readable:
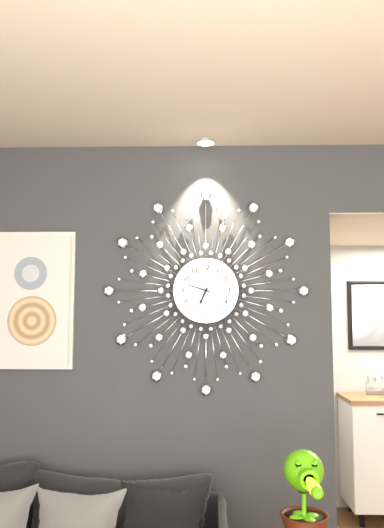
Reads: 6:48
